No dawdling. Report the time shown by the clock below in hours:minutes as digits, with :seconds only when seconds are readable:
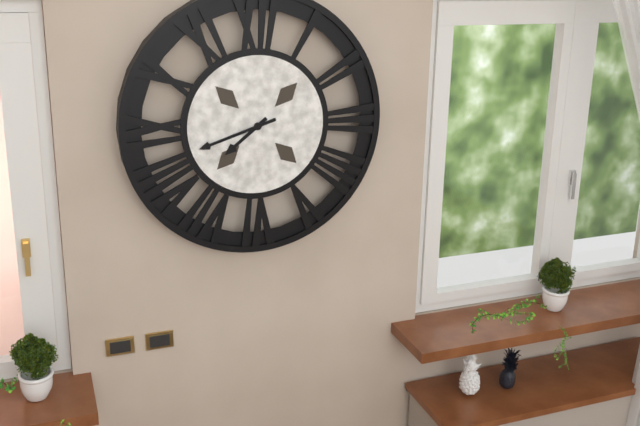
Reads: 7:42
